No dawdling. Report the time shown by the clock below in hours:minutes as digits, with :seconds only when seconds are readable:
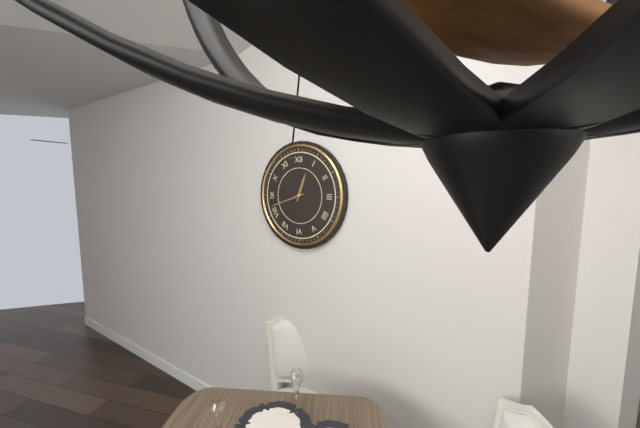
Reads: 12:42
